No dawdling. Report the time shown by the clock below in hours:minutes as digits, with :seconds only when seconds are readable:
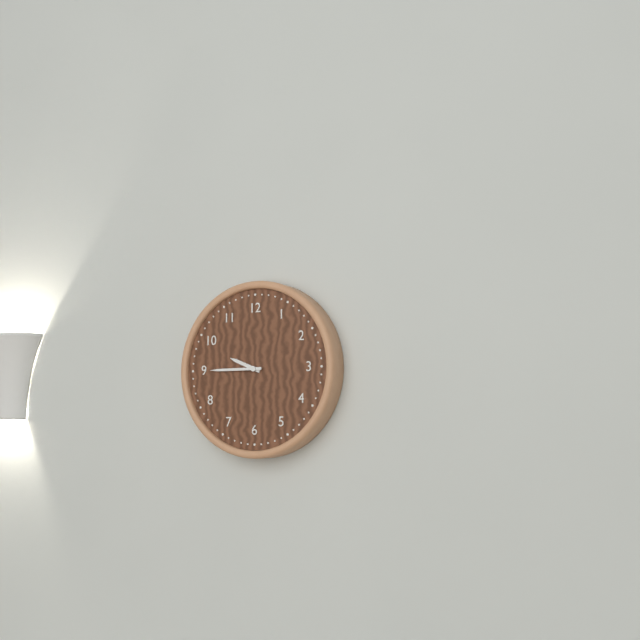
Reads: 9:45
